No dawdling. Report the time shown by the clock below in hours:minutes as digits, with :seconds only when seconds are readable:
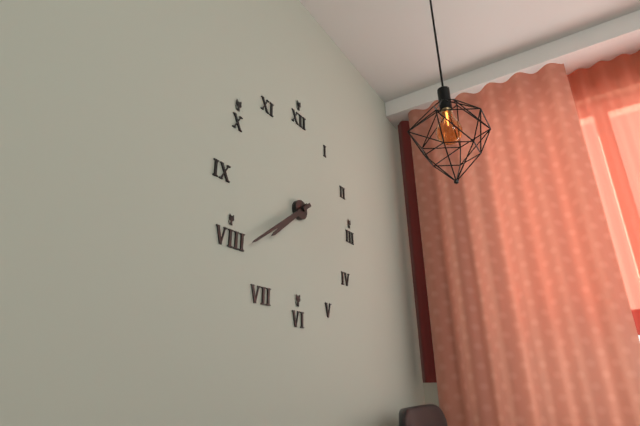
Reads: 7:39
